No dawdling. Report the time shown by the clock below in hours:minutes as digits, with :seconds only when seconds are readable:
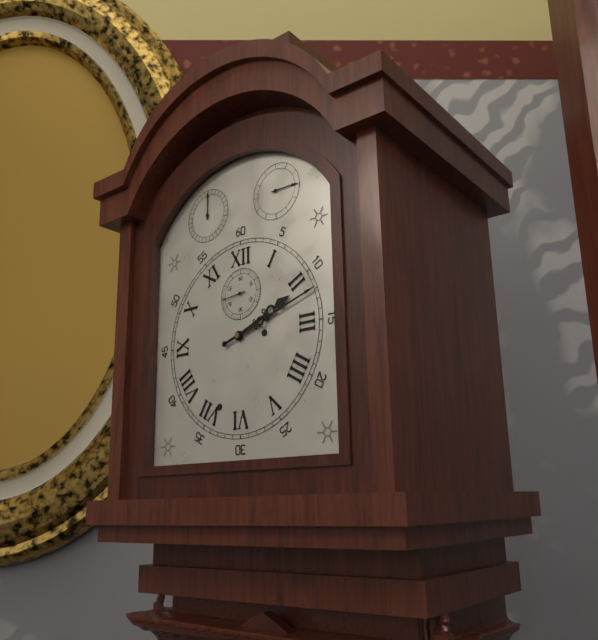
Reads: 2:12
